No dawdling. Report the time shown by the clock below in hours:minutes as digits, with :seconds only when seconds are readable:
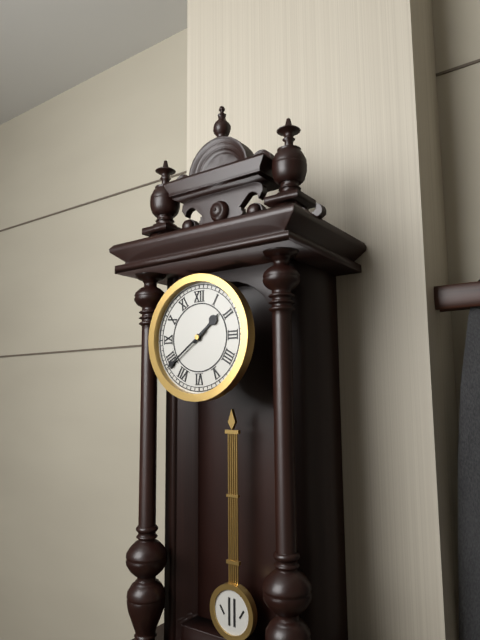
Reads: 1:39
